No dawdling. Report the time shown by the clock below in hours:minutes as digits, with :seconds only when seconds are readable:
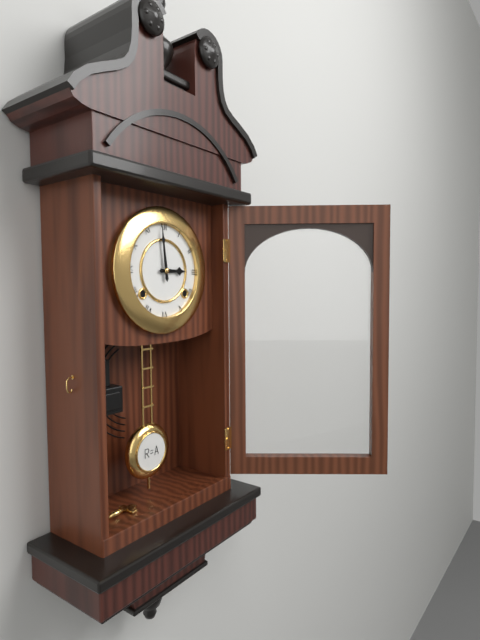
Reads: 2:59
